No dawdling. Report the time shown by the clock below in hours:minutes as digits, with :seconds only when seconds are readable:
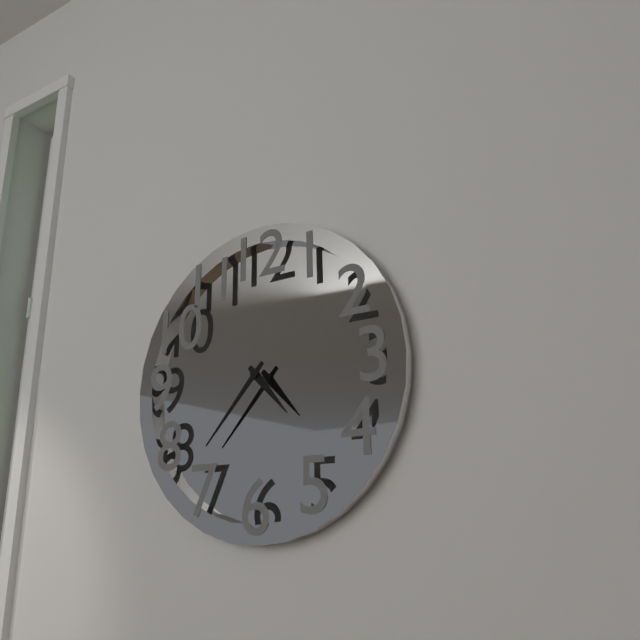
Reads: 4:37
